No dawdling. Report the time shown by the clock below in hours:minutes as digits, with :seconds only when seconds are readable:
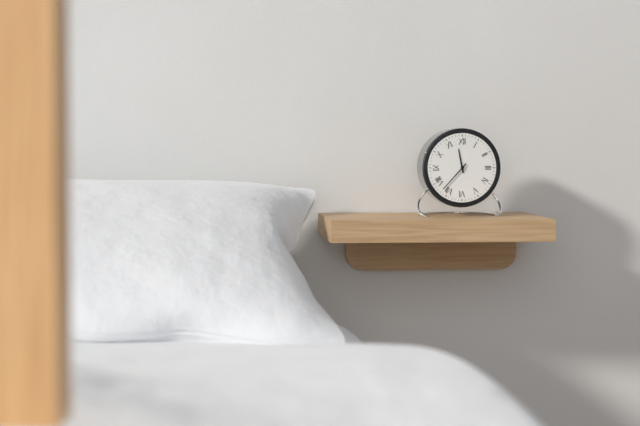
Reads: 11:37
